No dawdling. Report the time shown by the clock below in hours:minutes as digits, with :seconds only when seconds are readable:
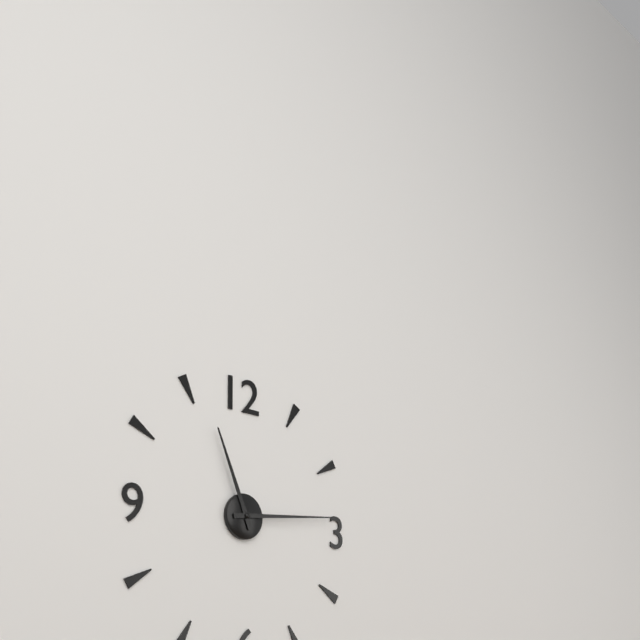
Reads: 11:14
